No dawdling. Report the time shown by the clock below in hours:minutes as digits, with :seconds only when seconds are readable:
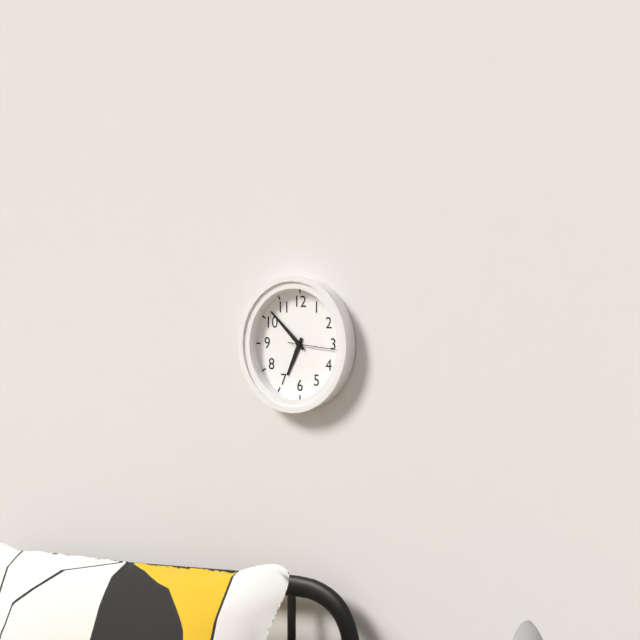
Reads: 6:52:16
